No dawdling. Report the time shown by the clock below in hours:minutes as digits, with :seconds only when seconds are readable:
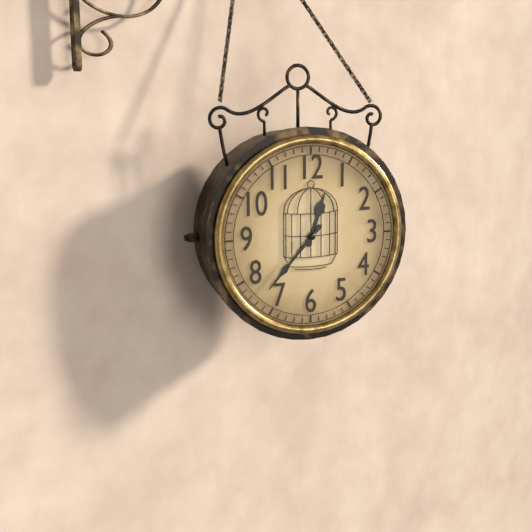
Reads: 12:37
